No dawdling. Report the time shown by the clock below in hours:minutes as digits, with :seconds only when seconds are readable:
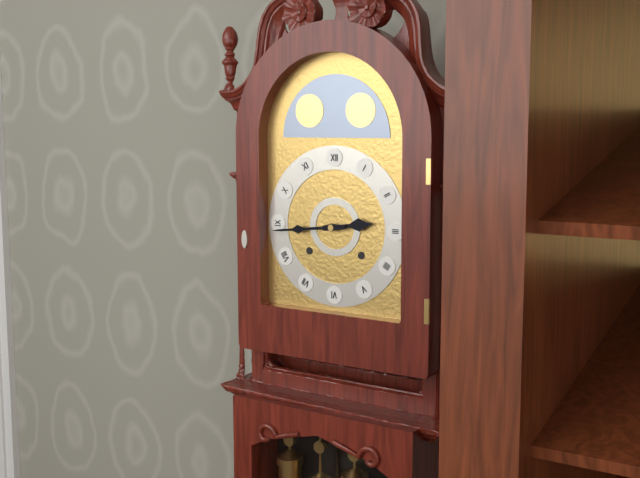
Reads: 2:44
